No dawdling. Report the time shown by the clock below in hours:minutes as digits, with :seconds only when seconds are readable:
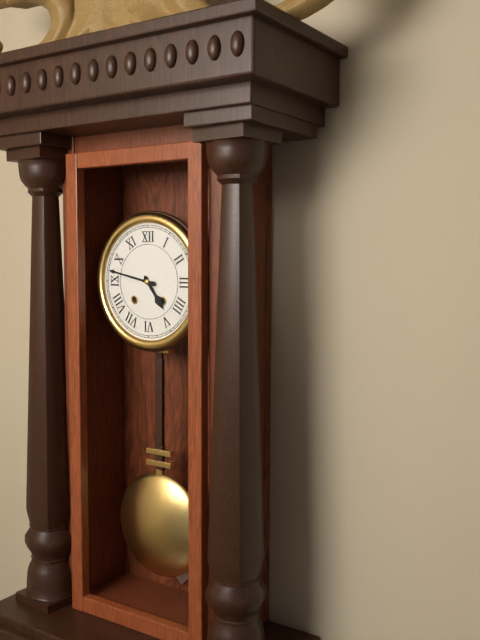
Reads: 4:47
